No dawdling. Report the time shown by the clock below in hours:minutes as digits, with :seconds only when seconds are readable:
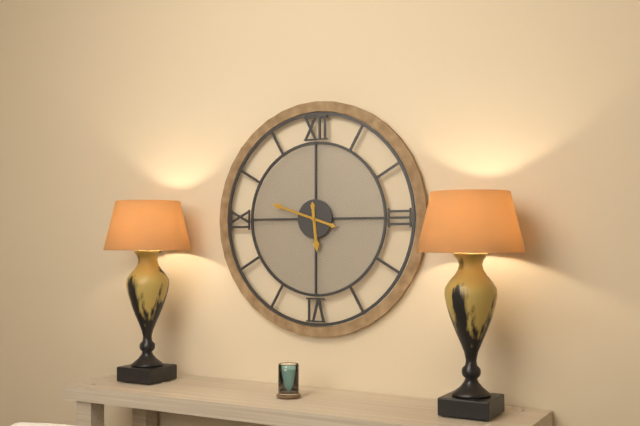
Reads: 5:48
